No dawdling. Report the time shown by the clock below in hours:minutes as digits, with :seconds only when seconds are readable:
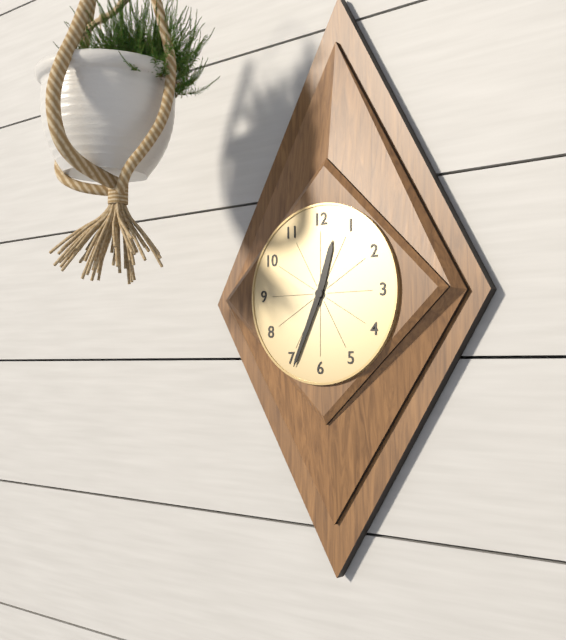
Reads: 12:34
